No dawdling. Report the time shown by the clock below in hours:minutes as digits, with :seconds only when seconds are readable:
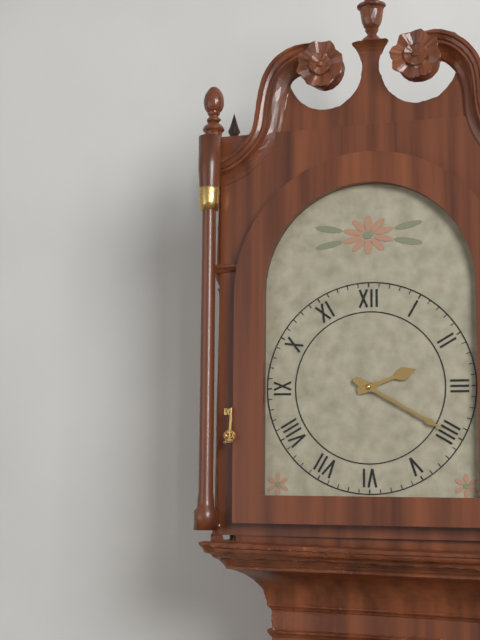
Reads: 2:20
